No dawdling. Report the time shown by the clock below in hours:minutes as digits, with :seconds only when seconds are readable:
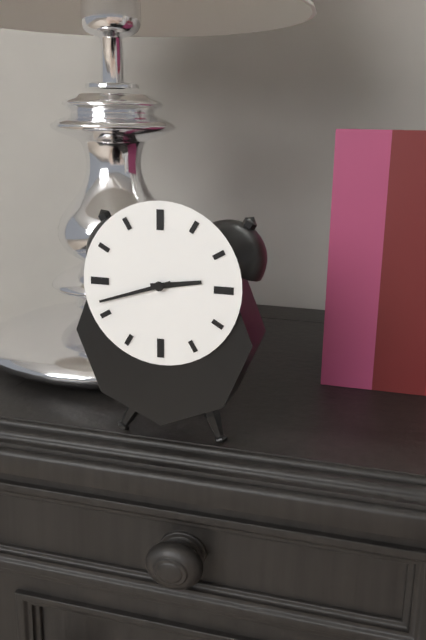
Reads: 2:42
